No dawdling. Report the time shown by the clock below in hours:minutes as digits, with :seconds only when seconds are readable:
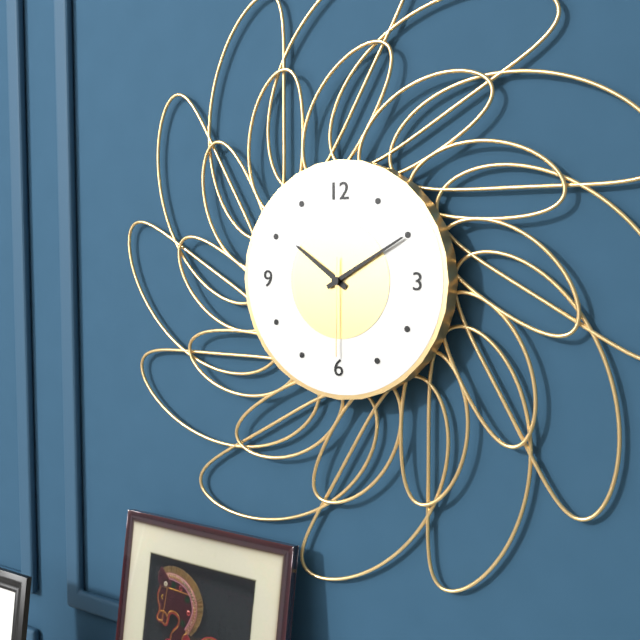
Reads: 10:10:30
